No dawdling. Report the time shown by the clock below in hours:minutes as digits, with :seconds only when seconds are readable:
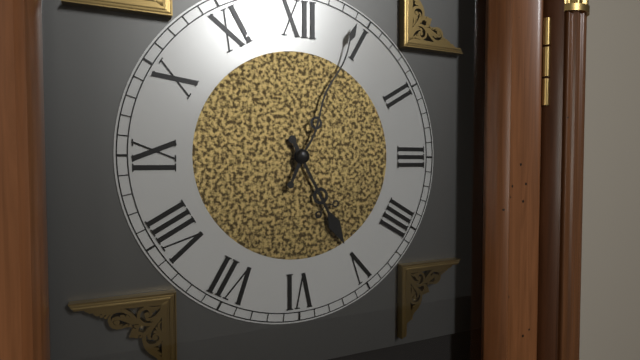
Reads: 5:04
